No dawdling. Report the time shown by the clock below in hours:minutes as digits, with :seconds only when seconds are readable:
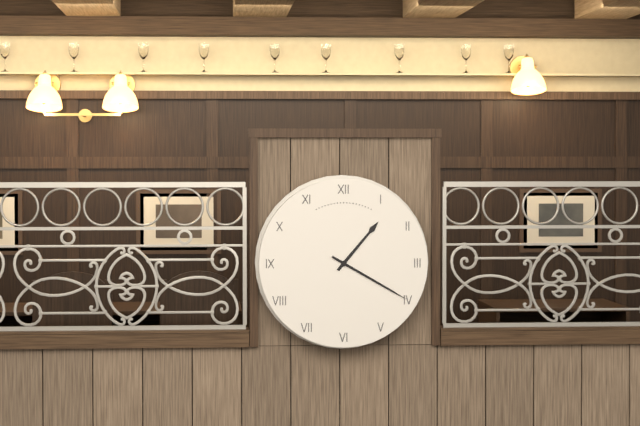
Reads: 1:20
